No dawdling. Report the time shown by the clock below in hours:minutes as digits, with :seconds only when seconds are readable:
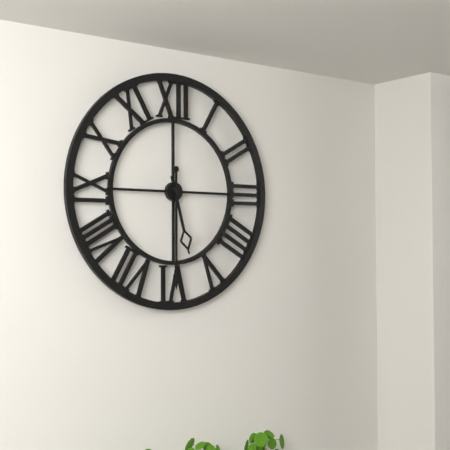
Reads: 5:30
